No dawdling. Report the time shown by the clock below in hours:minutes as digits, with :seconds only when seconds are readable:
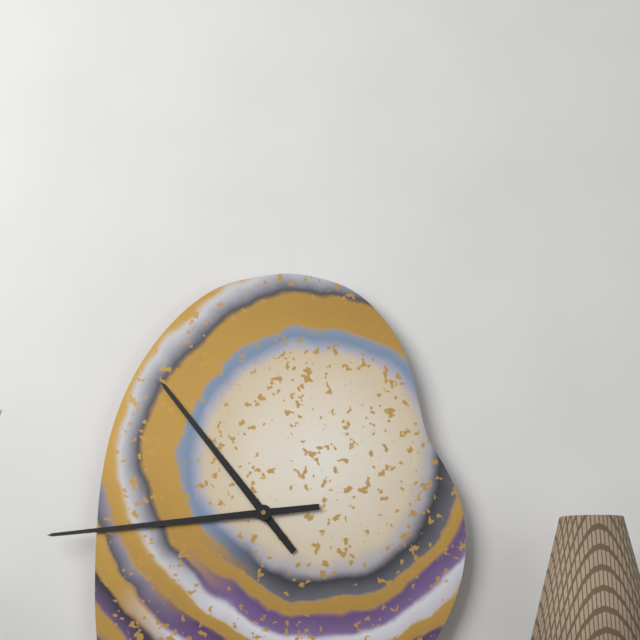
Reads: 10:44
